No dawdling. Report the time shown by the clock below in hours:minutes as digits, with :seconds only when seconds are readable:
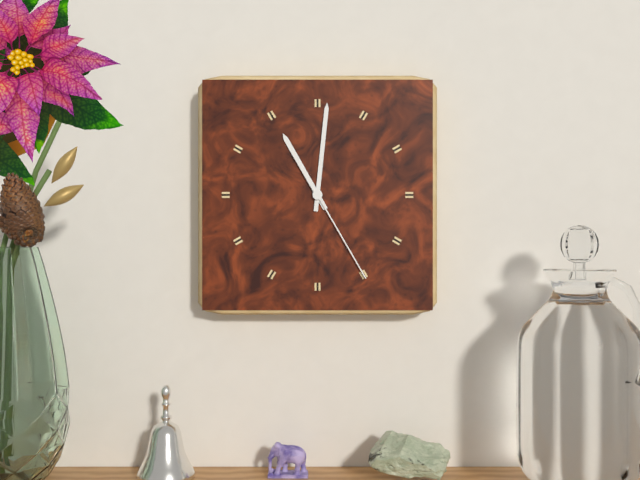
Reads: 11:01:25
